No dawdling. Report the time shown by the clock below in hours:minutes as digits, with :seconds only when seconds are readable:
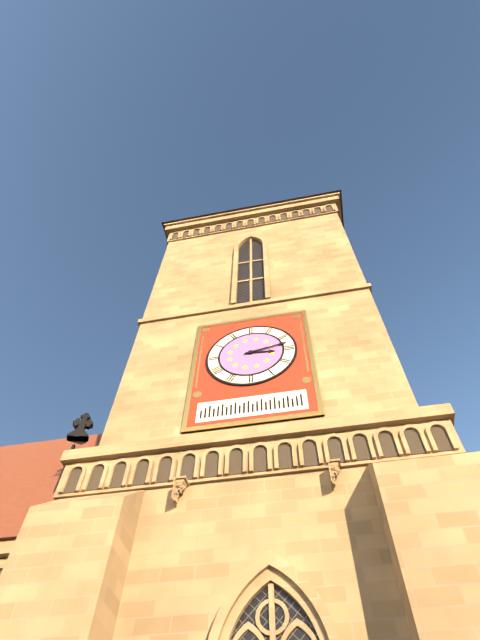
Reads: 3:13
